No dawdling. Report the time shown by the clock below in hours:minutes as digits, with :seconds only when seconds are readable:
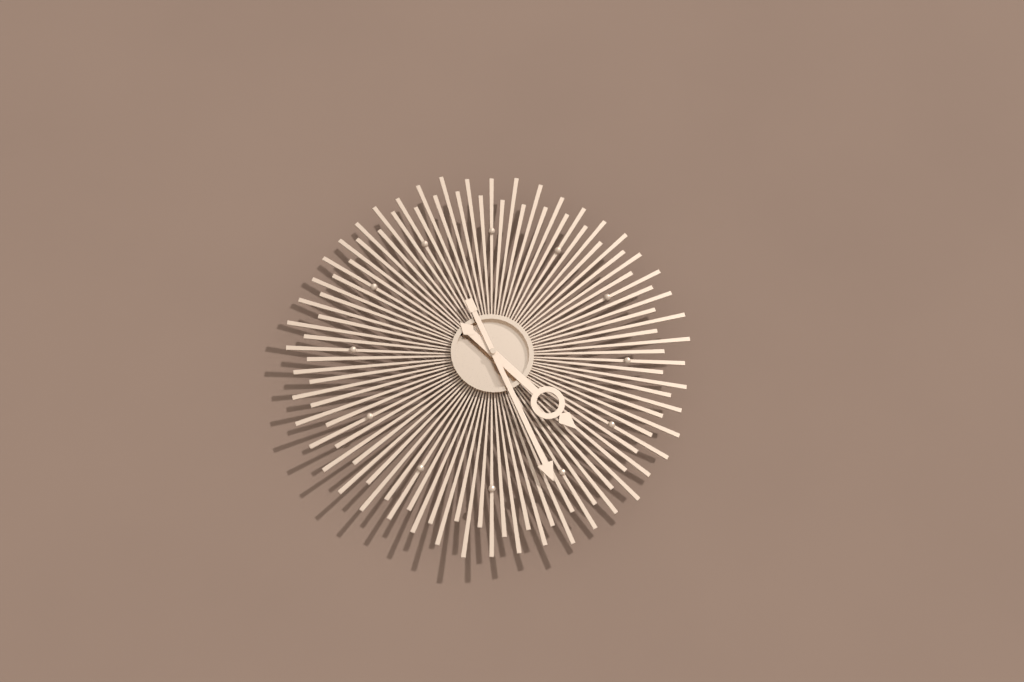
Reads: 4:26
